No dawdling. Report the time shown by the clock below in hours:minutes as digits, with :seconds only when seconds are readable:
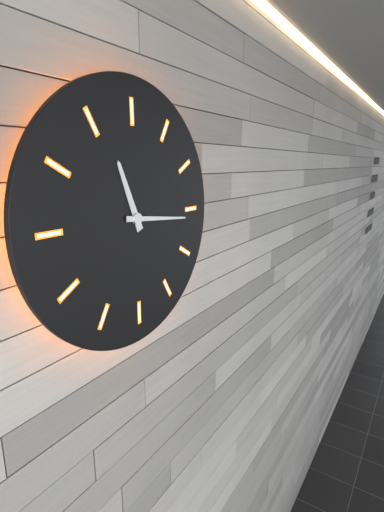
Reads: 11:16
